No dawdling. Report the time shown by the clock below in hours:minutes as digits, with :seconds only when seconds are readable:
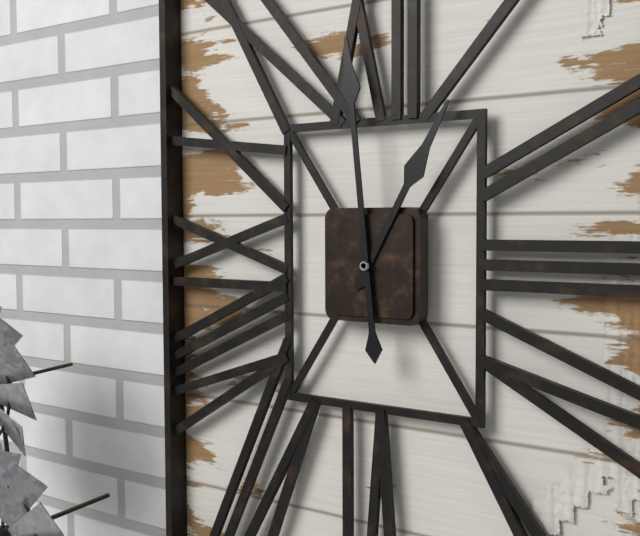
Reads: 12:59
